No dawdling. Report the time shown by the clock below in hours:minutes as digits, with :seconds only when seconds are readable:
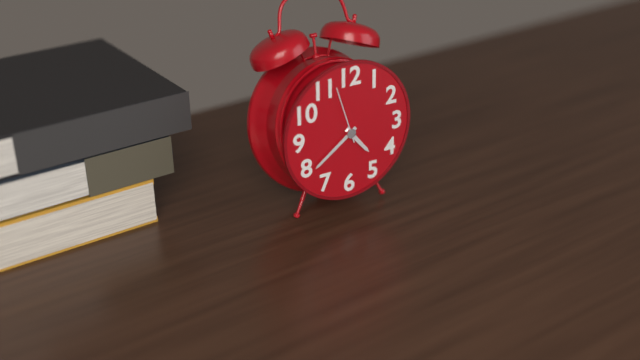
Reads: 4:39:57
